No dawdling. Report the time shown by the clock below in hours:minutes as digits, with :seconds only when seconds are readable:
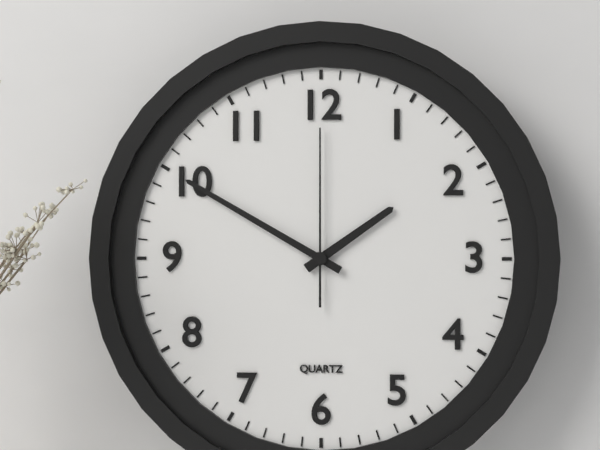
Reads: 1:50:00
